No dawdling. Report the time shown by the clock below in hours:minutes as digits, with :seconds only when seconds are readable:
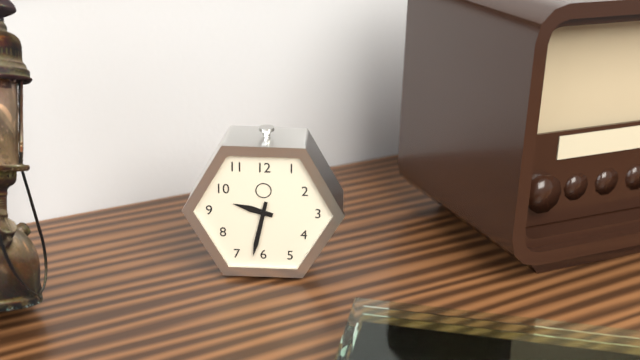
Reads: 9:32
